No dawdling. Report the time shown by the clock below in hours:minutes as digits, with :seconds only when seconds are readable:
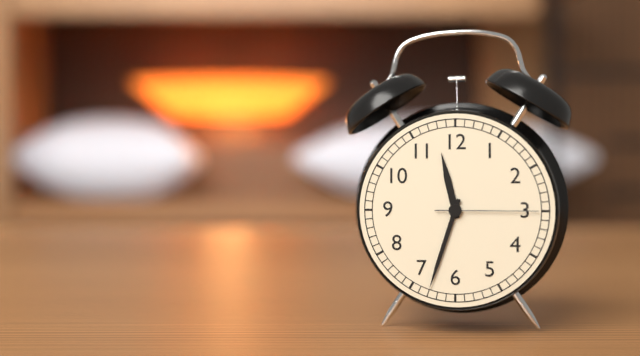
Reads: 11:33:15
